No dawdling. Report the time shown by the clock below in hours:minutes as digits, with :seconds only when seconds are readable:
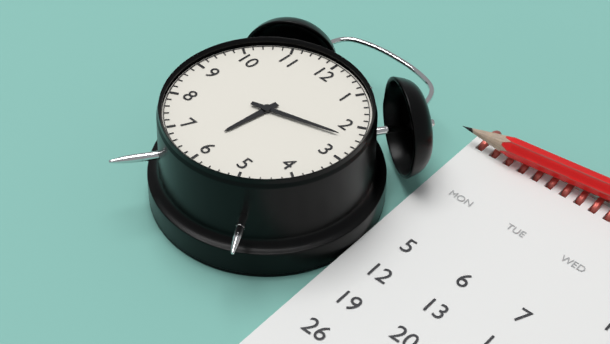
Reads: 6:12
